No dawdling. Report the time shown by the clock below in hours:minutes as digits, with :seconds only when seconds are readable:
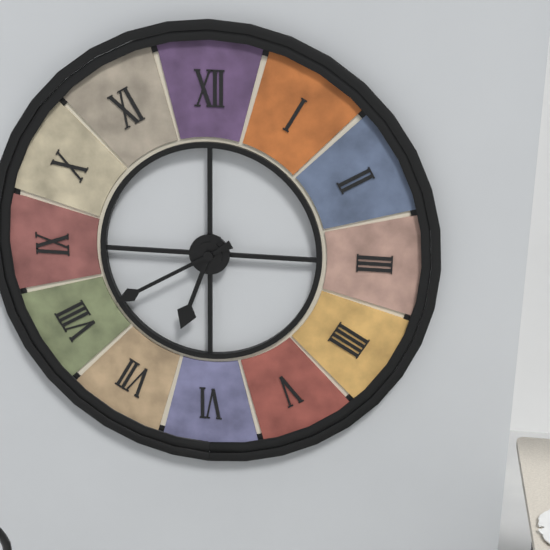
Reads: 6:40
